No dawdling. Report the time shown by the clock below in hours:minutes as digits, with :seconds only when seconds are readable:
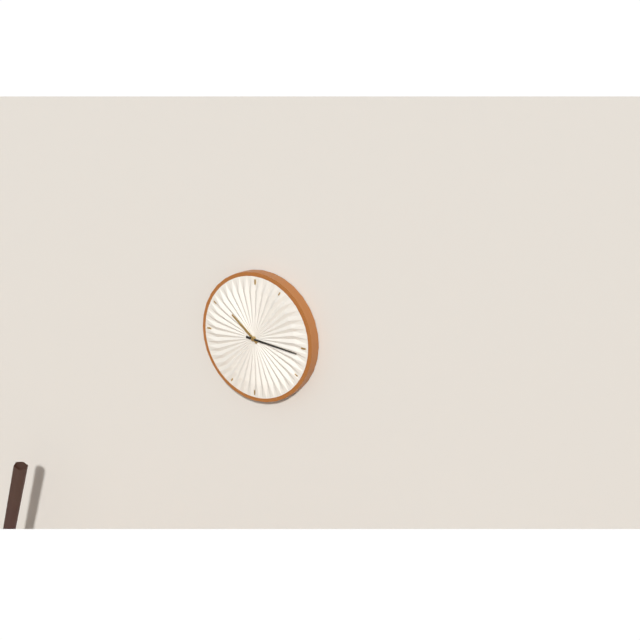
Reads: 10:16
